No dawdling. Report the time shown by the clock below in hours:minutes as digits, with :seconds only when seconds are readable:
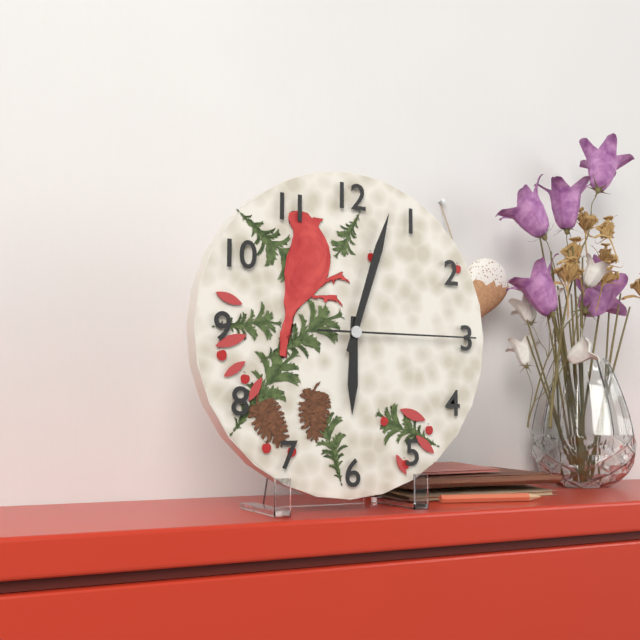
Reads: 6:03:15
